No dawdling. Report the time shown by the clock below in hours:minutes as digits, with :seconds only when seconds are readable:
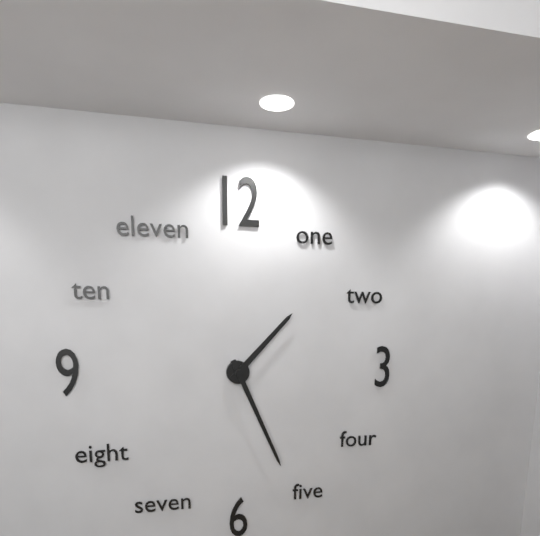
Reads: 1:26
